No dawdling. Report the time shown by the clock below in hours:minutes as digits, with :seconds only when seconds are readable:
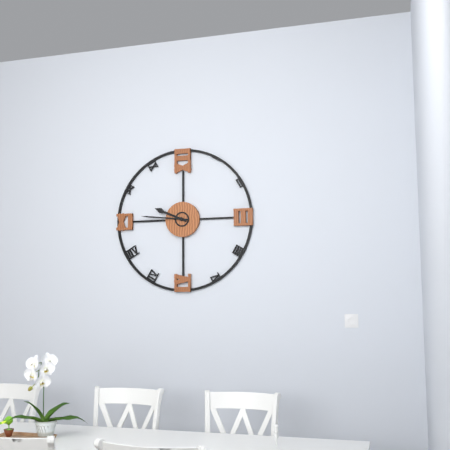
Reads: 9:46
